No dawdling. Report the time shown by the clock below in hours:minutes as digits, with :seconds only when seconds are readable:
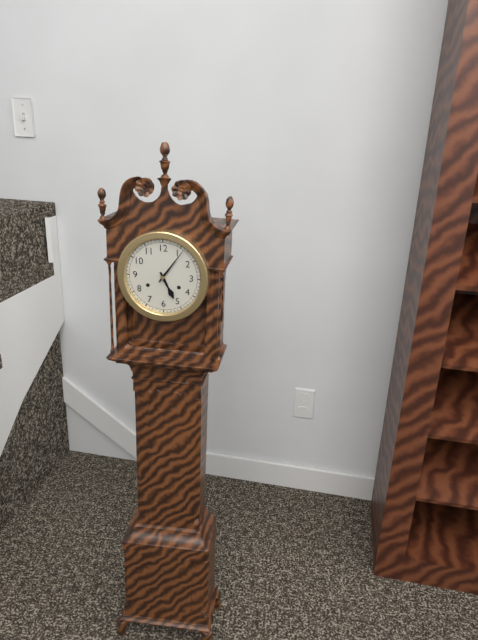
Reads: 5:06
